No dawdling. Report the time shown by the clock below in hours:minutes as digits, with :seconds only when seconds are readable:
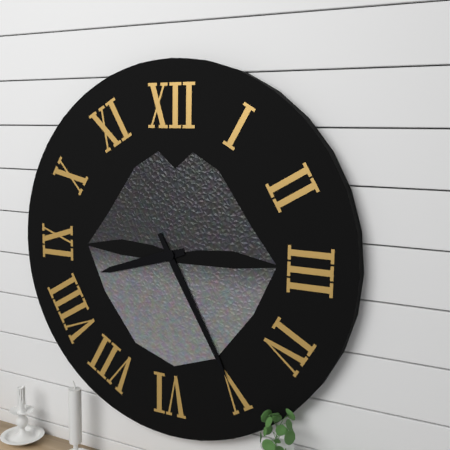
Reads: 8:25
